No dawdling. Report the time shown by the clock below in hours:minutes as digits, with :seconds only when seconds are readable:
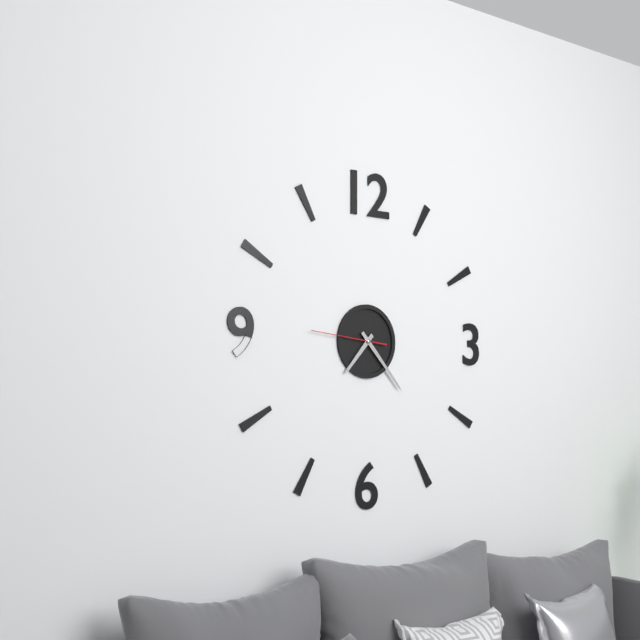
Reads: 7:23:46
